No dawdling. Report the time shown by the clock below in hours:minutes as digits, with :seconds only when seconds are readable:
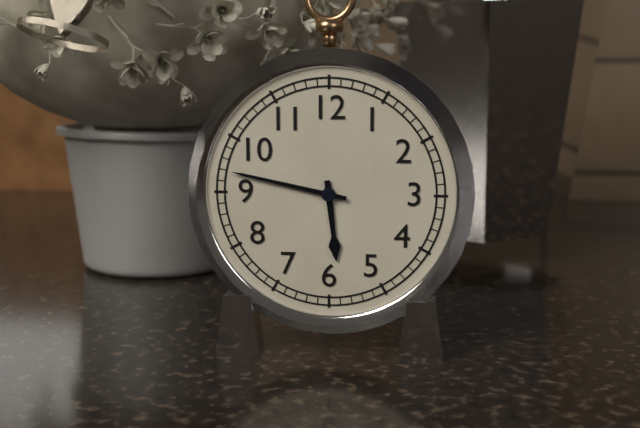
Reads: 5:47
